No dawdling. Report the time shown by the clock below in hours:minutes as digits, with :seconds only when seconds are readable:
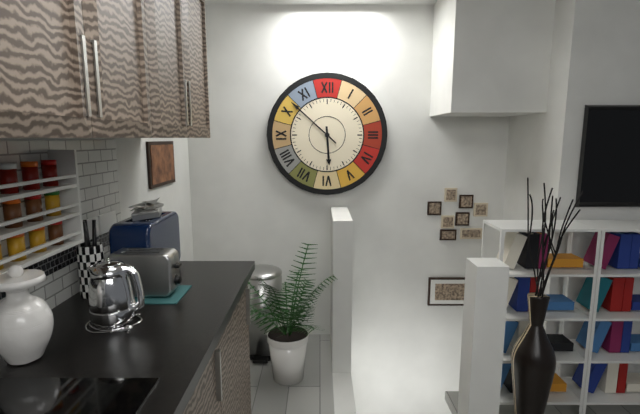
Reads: 5:52
